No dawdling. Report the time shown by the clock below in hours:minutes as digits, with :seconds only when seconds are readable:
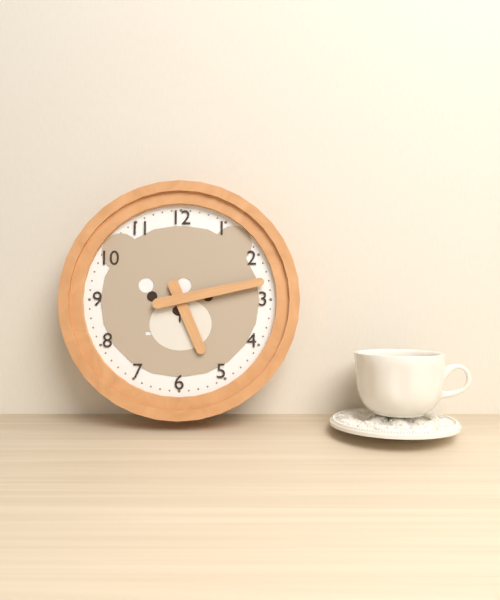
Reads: 5:13
